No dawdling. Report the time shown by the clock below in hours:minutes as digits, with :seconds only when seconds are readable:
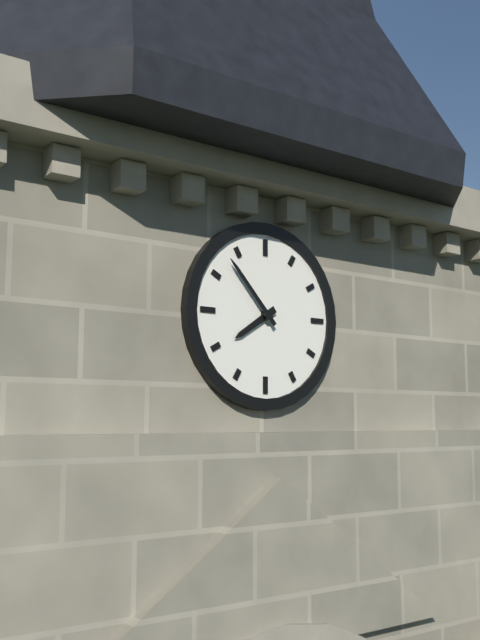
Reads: 7:53
